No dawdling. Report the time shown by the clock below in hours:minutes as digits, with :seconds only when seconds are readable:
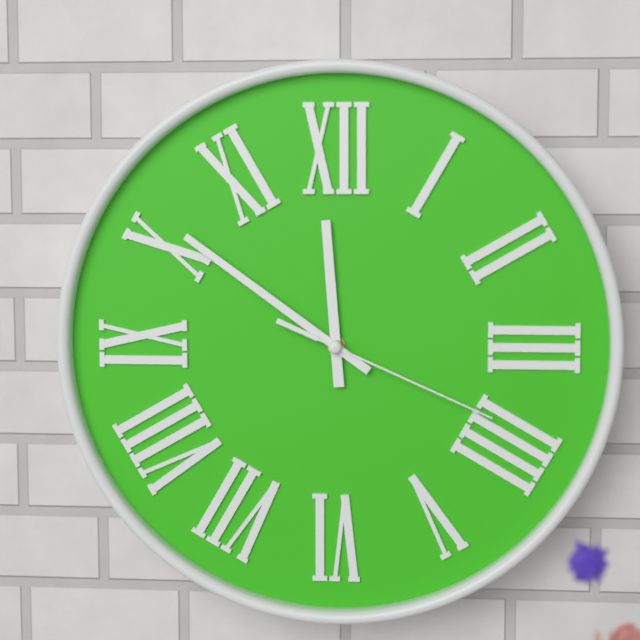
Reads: 11:51:19
